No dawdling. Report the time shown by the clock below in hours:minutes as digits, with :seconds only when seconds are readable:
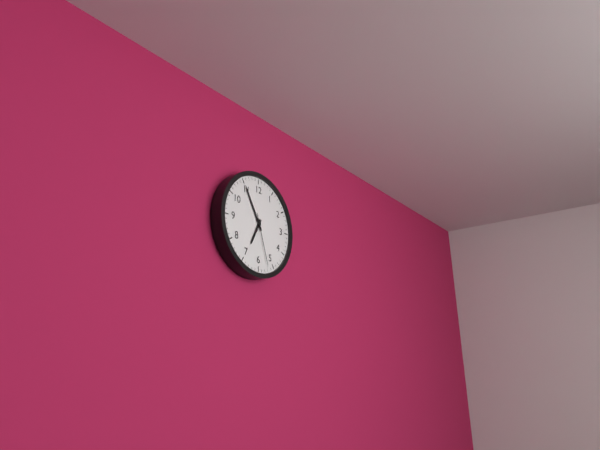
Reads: 6:55:27
